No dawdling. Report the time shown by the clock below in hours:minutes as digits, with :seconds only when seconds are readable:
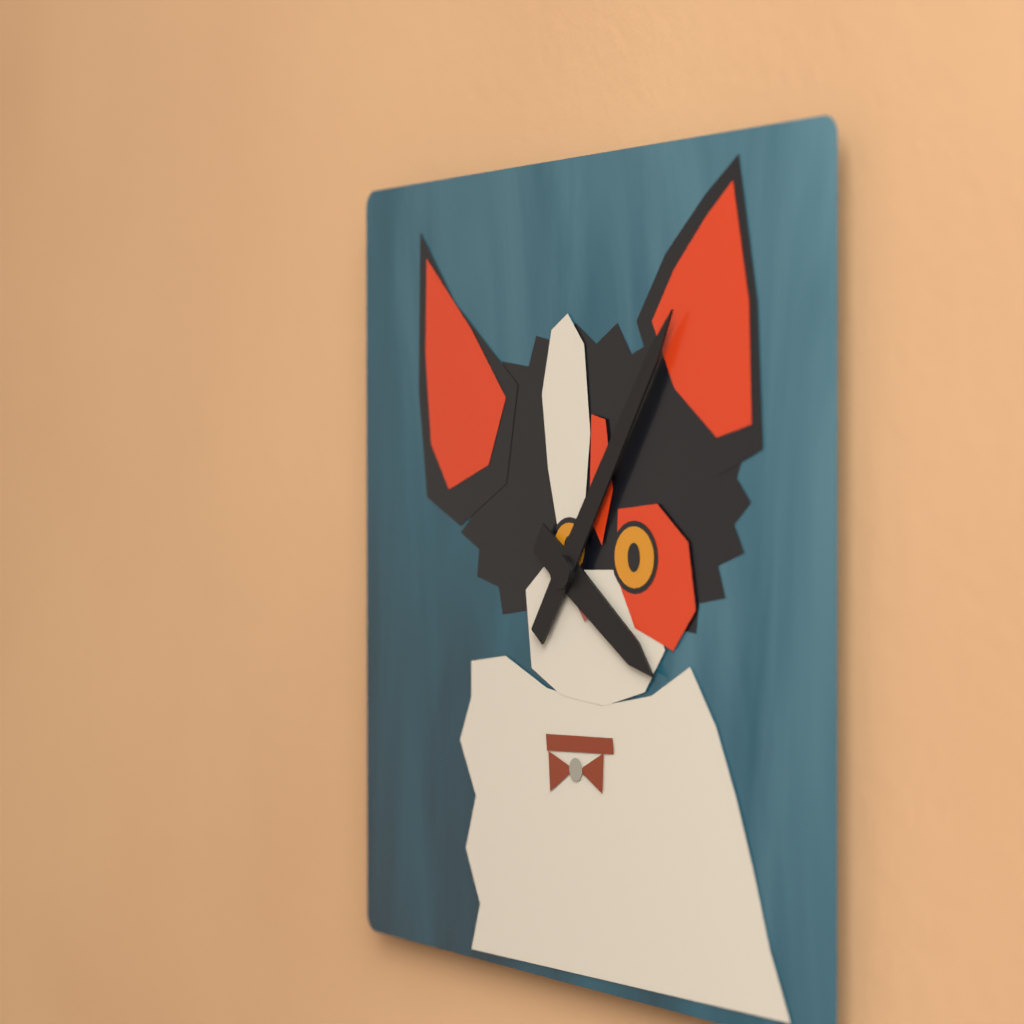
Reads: 4:06
